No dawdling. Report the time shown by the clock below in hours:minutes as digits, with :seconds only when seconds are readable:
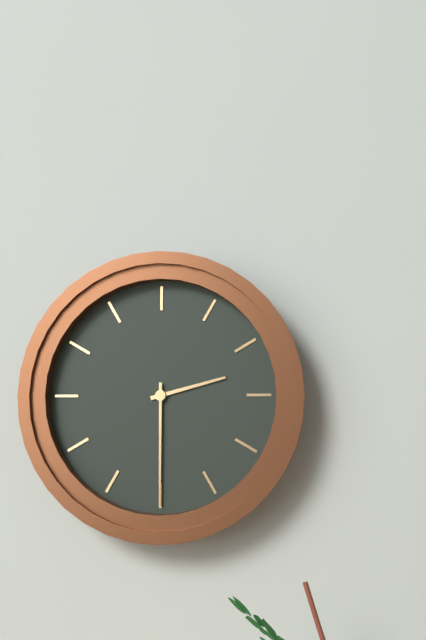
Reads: 2:30
